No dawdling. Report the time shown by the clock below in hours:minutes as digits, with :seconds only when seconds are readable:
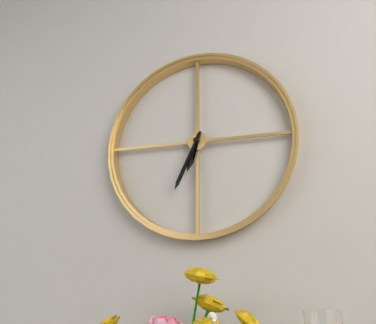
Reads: 6:34
